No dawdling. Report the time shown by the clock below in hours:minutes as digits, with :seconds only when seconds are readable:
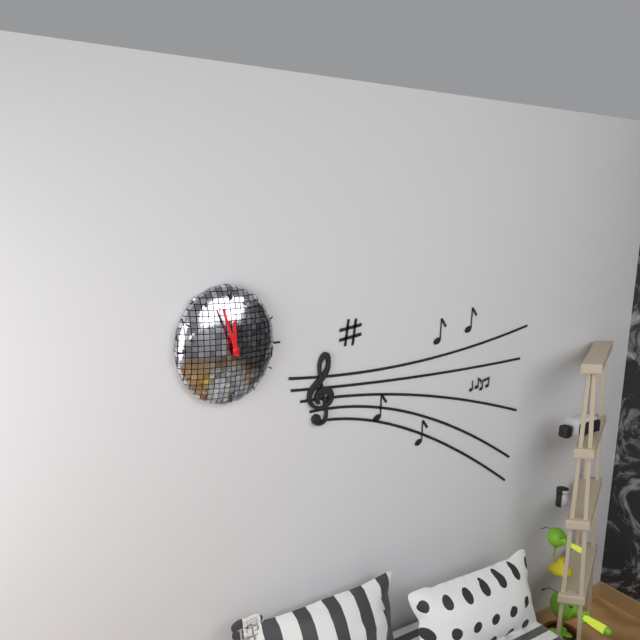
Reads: 11:57
